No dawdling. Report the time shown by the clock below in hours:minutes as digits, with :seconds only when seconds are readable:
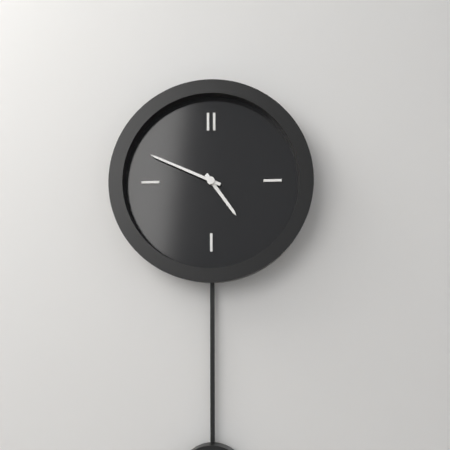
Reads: 4:49
